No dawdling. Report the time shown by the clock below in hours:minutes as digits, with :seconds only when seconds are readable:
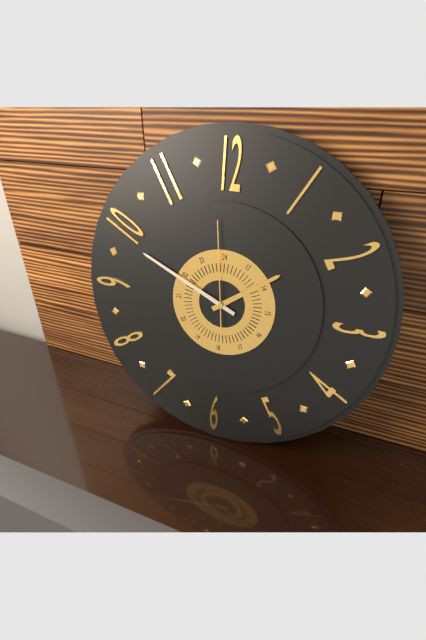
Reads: 1:49:59
